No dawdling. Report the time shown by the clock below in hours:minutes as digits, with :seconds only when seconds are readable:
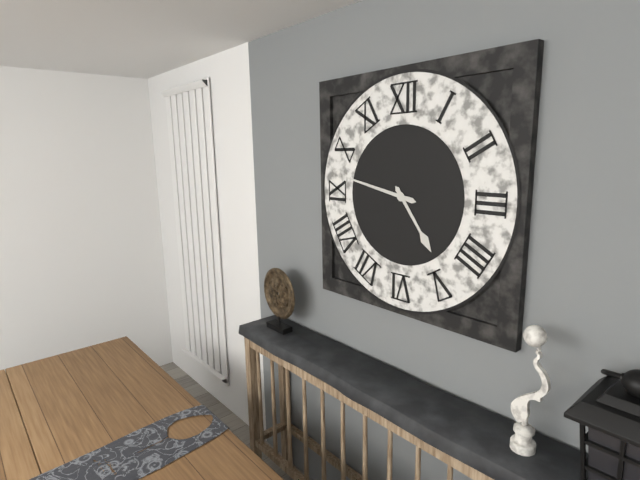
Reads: 4:47
